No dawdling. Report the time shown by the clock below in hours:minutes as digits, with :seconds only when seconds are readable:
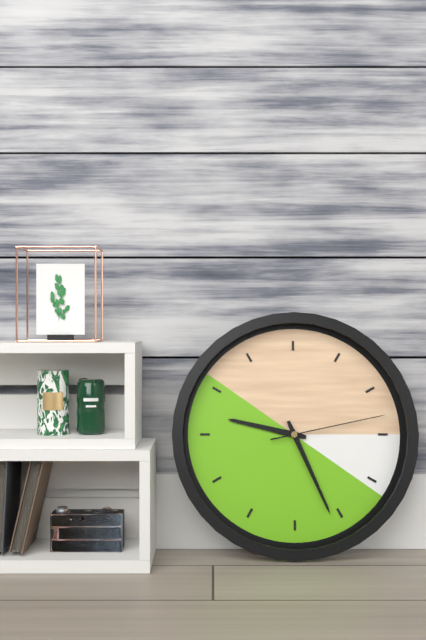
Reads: 9:26:13
